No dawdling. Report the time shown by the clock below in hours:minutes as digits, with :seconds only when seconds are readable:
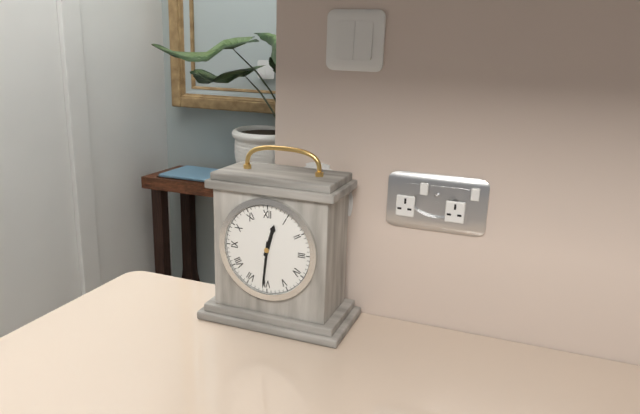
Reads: 12:31
